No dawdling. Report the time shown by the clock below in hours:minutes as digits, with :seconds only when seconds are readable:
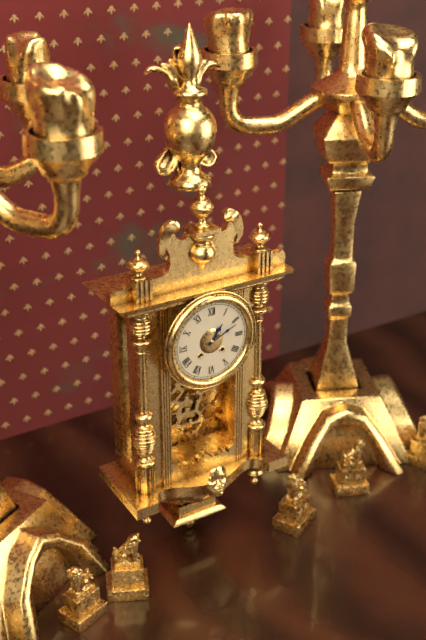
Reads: 1:11
